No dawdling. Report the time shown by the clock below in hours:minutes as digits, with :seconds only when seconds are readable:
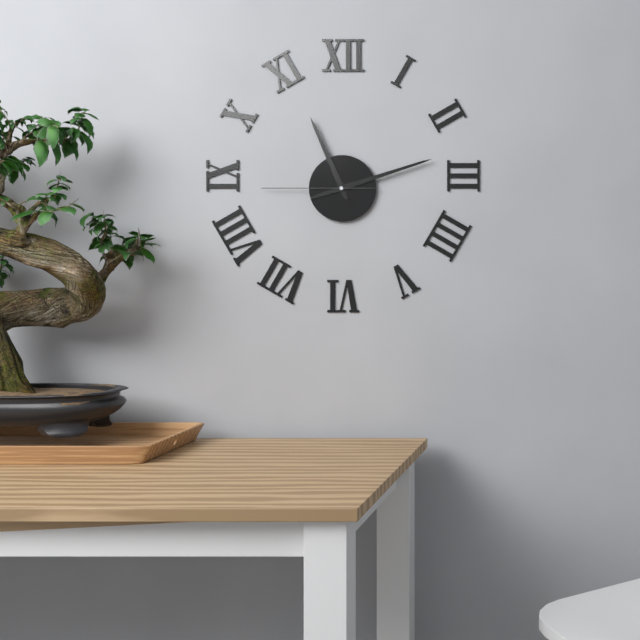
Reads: 11:12:45
